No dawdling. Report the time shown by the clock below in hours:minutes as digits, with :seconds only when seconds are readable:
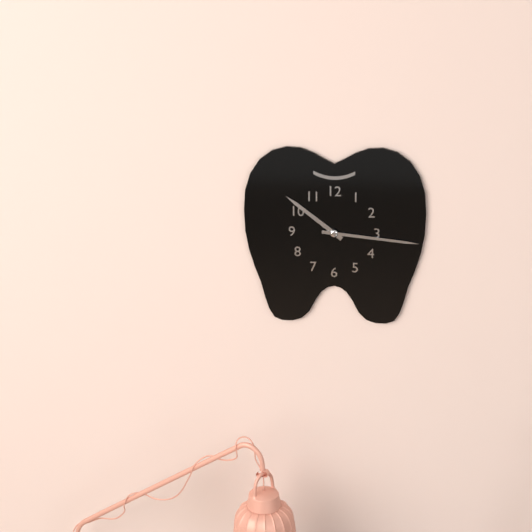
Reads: 10:16
